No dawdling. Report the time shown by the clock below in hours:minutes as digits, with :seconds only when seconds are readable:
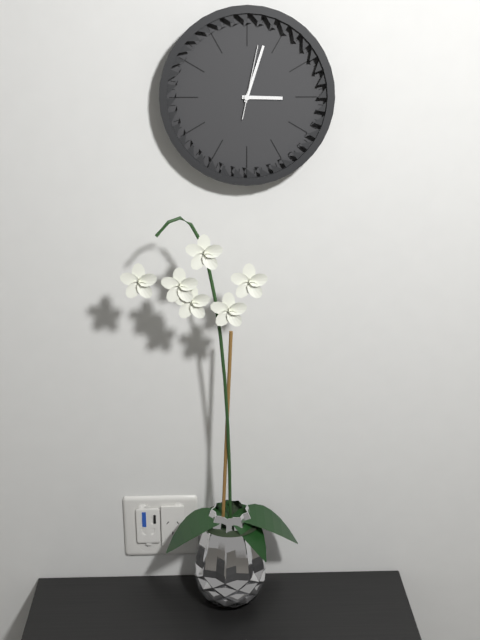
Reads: 3:03:02
